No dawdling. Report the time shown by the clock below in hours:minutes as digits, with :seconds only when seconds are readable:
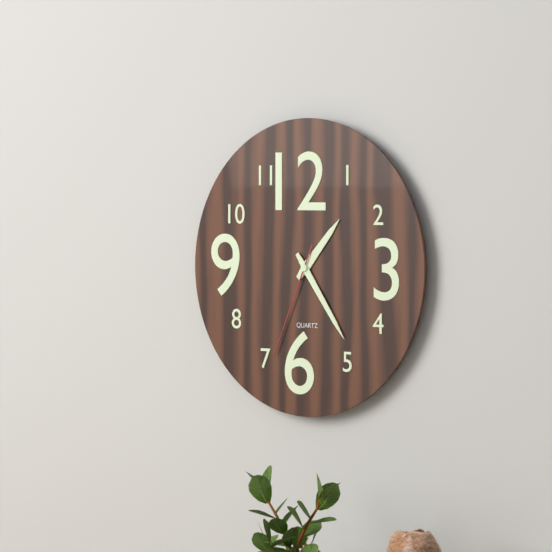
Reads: 1:24:34
